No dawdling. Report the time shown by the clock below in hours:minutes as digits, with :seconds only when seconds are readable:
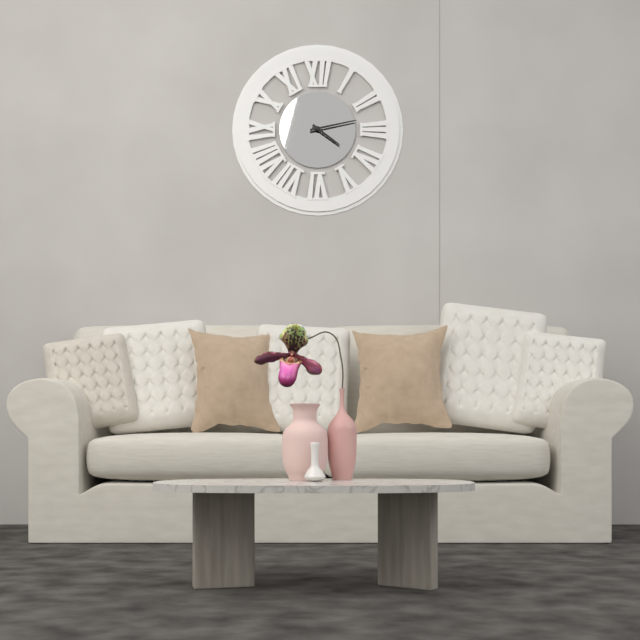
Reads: 4:13
